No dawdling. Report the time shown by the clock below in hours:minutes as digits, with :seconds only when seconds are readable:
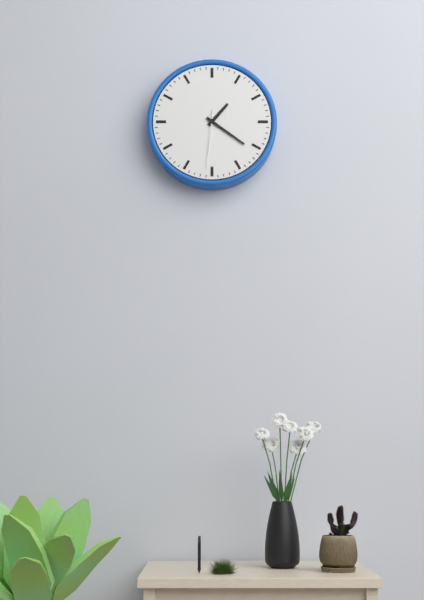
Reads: 1:21:31
